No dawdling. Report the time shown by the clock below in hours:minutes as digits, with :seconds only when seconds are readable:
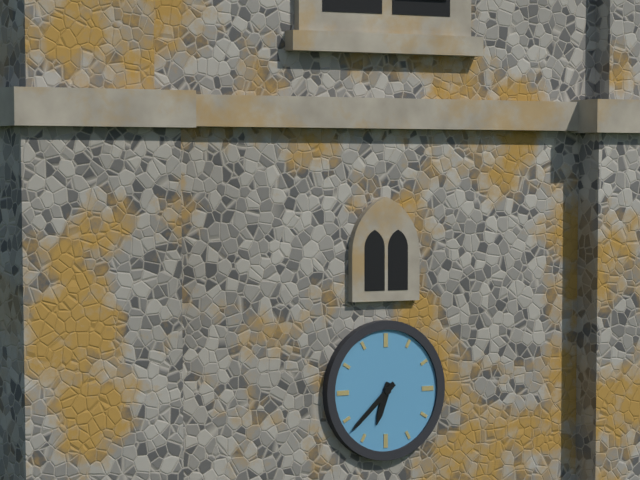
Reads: 6:38
